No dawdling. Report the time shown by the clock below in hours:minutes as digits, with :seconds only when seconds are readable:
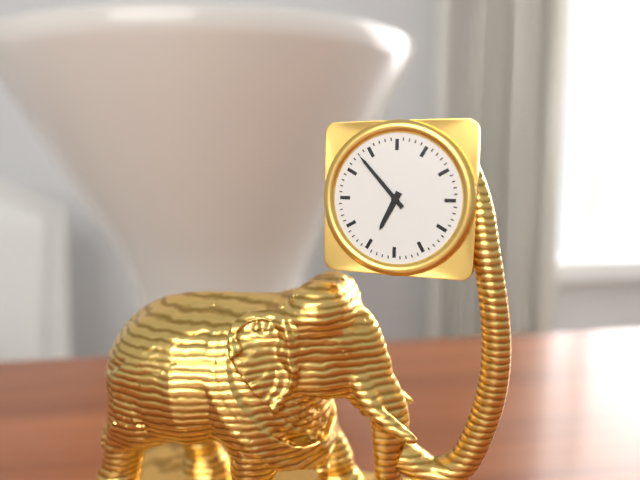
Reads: 6:53
